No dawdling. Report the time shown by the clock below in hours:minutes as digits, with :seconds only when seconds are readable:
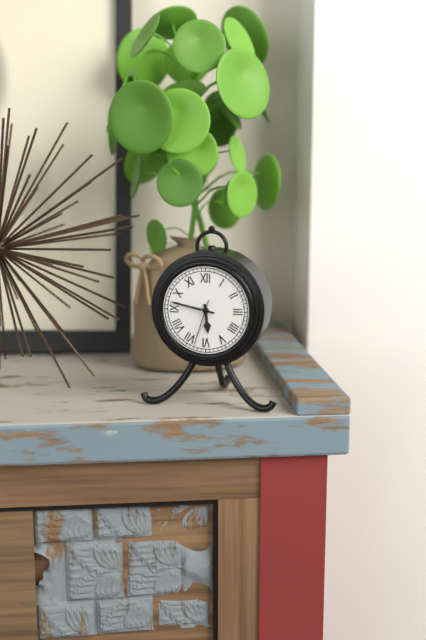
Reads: 5:47:33
